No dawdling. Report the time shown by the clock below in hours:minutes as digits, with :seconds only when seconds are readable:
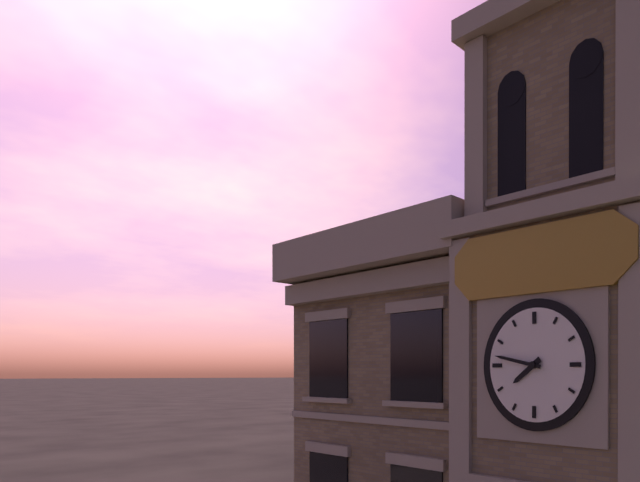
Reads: 7:47
